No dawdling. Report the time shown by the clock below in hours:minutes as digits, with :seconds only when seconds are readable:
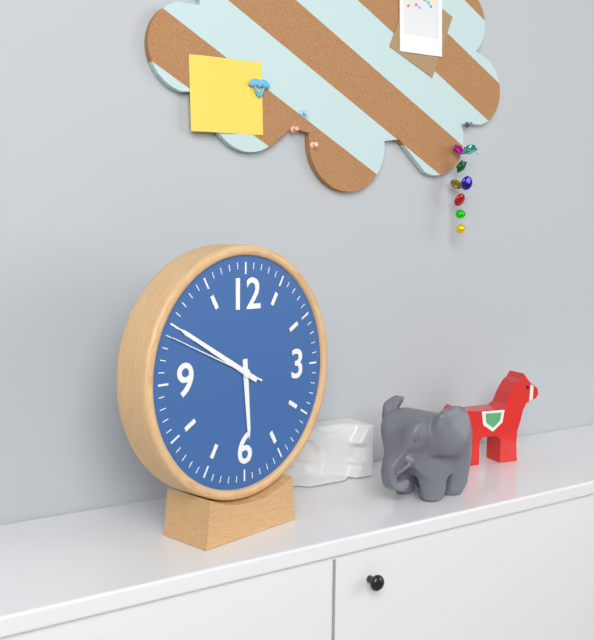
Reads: 5:50:49
